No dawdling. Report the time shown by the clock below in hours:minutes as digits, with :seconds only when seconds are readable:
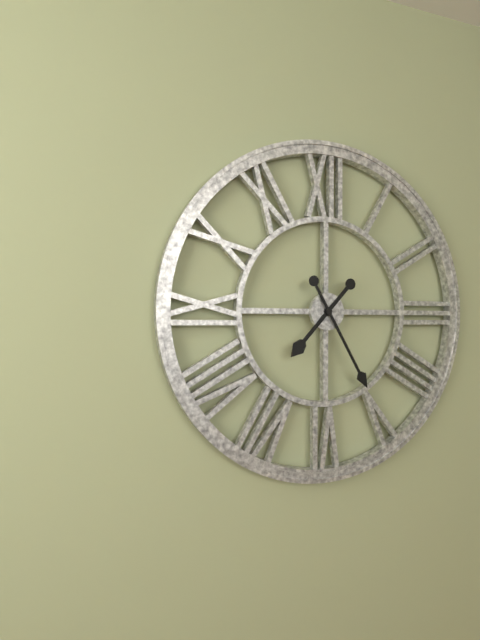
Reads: 7:25
